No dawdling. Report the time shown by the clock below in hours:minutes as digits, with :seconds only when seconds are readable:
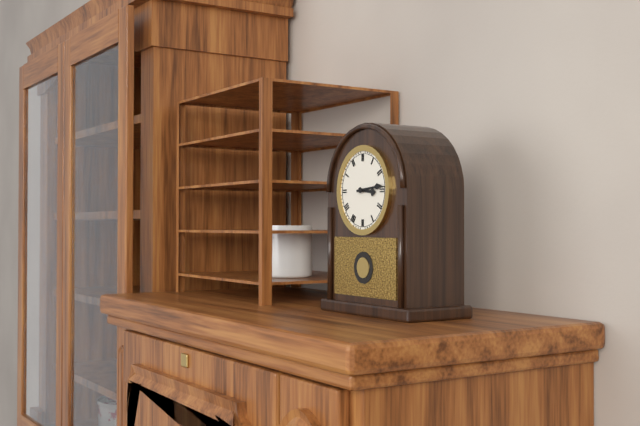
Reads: 3:14
